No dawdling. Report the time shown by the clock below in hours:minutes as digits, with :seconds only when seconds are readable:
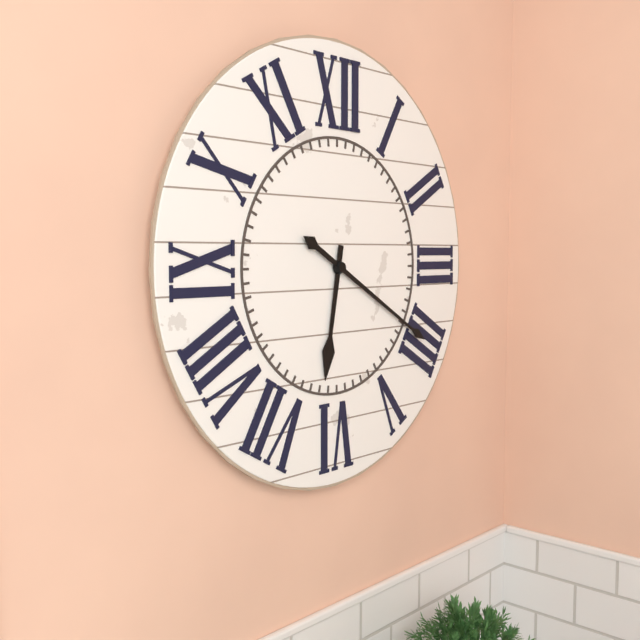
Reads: 6:20
